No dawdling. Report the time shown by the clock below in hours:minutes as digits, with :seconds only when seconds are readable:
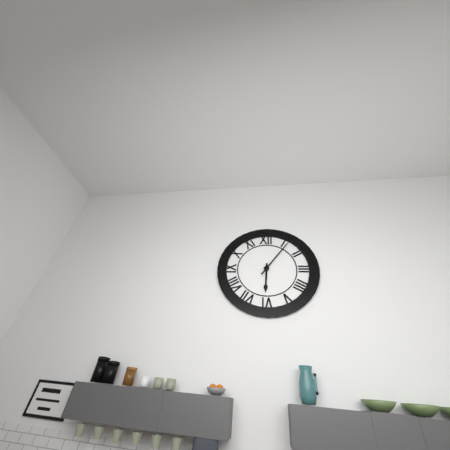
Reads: 6:06
